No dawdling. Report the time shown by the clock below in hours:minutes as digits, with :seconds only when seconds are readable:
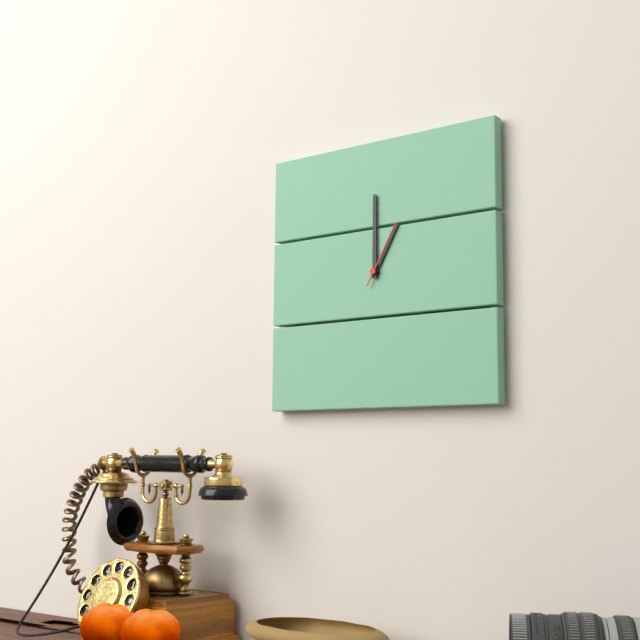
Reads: 1:00:05
